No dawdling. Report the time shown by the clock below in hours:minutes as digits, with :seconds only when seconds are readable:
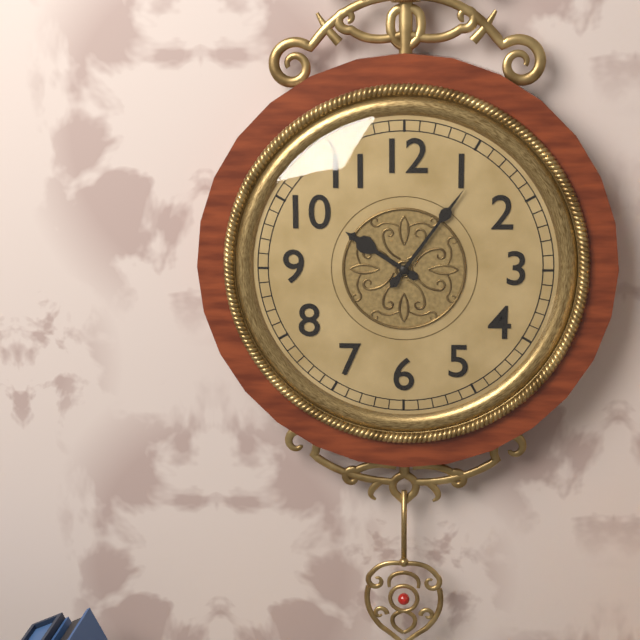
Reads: 10:06
